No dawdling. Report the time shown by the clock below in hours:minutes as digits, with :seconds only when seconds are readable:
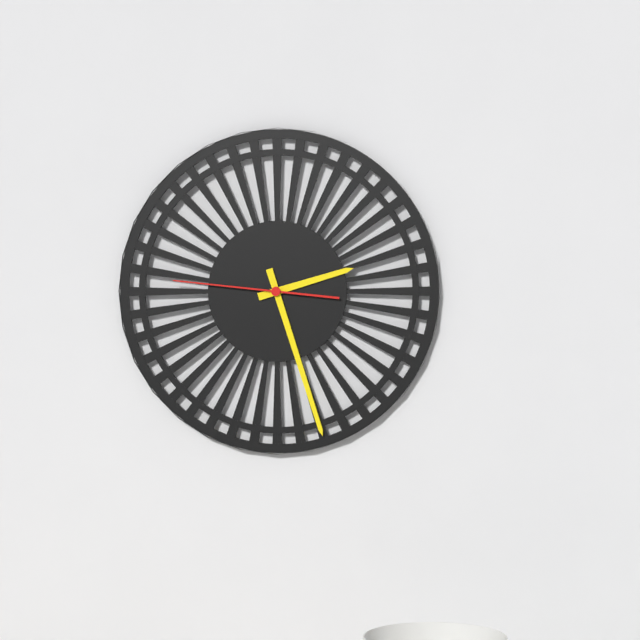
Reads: 2:27:46
